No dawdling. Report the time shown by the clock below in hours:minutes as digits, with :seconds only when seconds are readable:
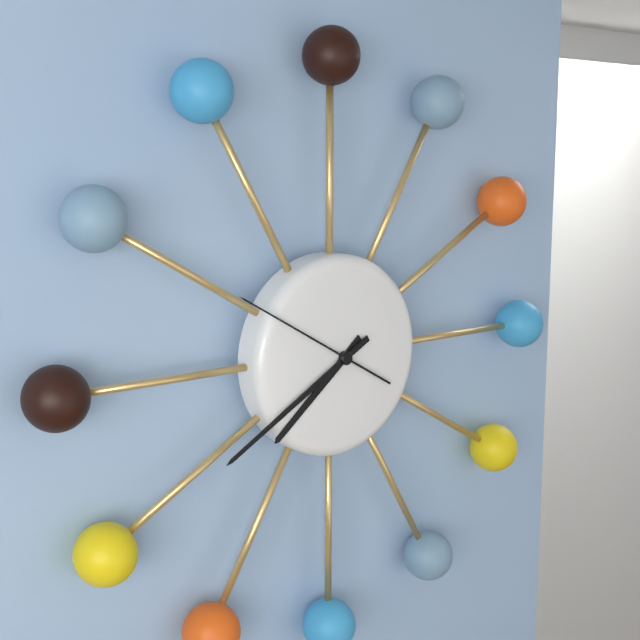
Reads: 7:40:50
